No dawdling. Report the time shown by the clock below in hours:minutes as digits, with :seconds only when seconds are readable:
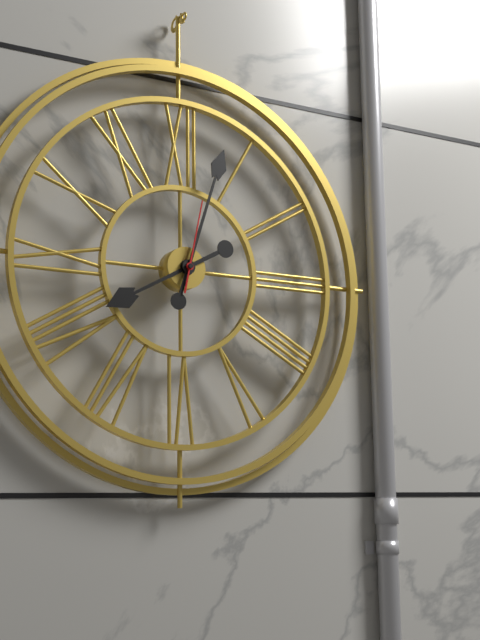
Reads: 8:03:02
